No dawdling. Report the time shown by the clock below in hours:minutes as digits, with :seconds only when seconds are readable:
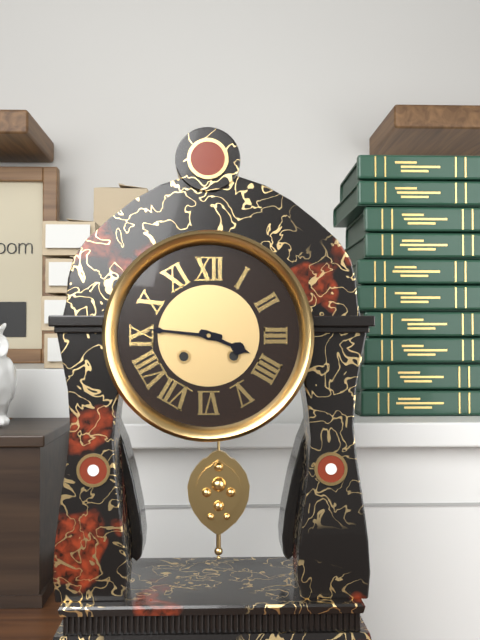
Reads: 3:46
